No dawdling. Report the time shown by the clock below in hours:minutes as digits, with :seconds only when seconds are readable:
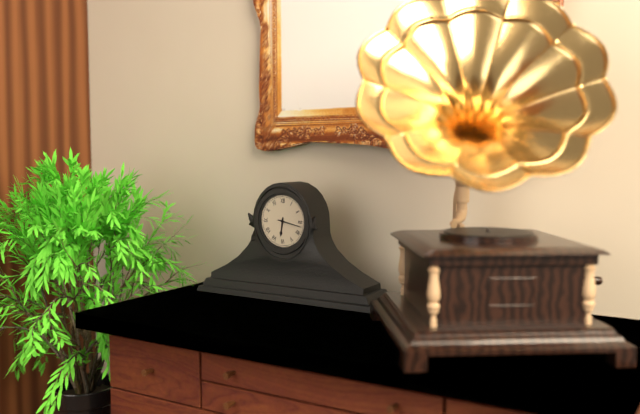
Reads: 6:17
